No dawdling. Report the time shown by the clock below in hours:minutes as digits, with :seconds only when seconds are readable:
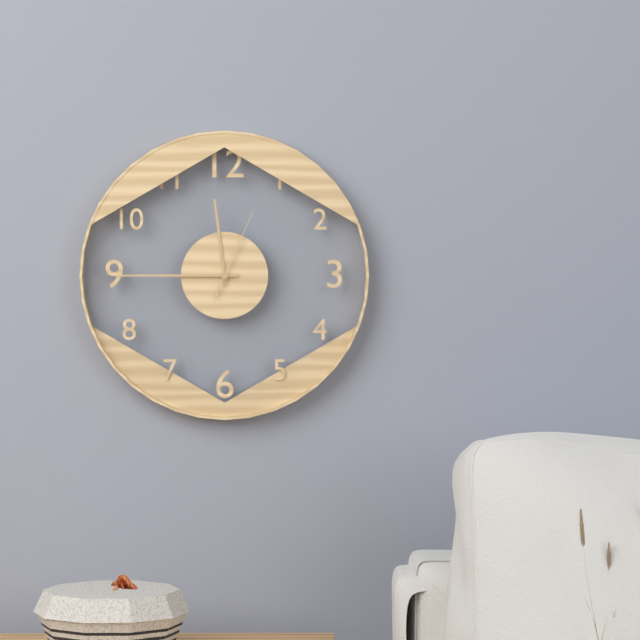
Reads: 11:45:04
